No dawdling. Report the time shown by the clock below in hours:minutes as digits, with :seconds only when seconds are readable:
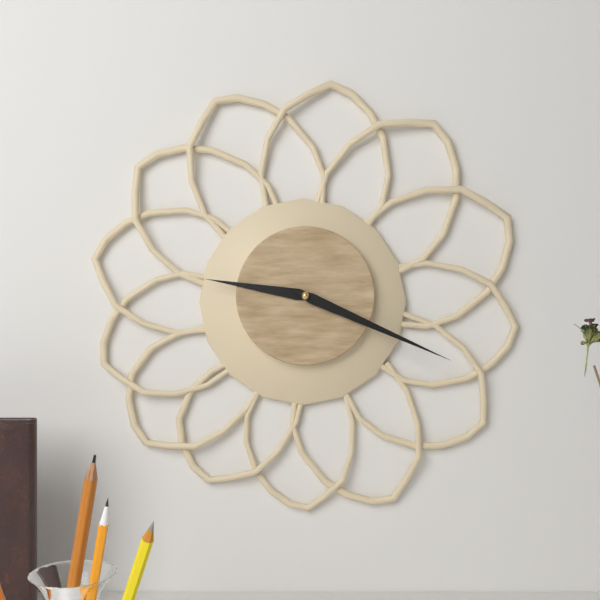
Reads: 9:19
